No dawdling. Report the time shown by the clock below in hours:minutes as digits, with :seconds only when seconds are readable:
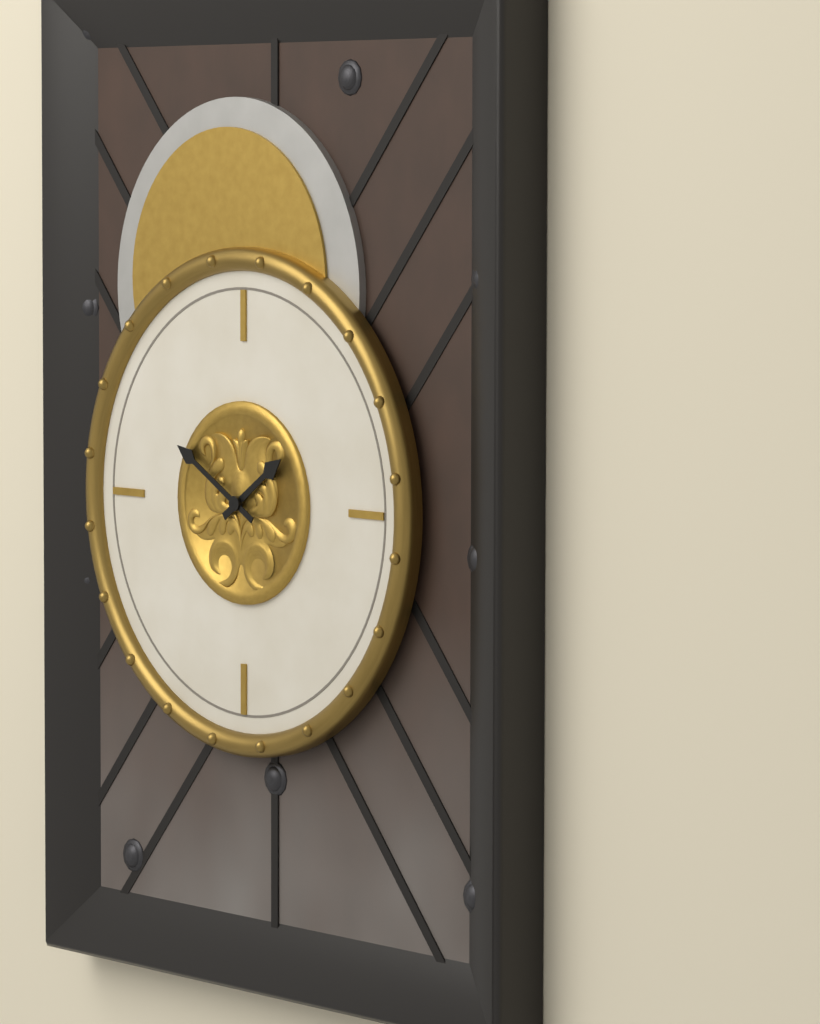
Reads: 1:50
